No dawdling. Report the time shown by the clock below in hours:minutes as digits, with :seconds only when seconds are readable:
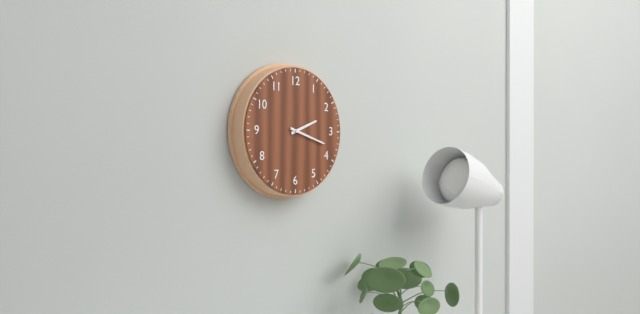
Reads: 2:18
